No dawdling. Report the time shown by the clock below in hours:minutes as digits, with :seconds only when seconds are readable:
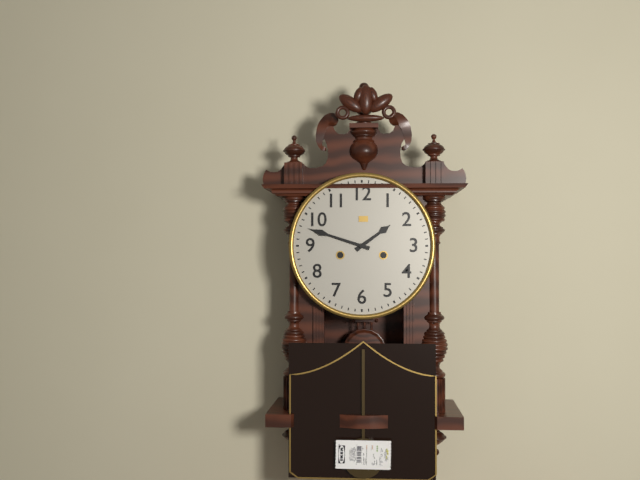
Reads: 1:48
